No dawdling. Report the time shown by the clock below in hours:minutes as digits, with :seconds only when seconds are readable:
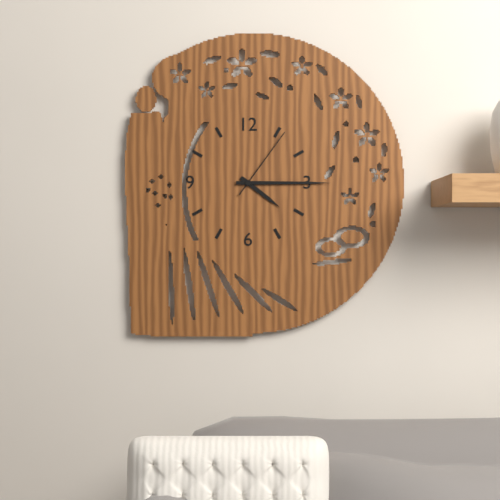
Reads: 4:15:06
